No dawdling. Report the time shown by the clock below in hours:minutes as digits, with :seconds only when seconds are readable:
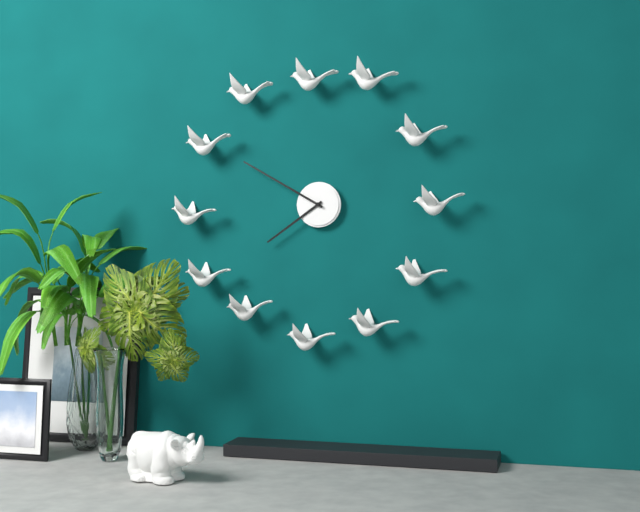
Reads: 7:50
